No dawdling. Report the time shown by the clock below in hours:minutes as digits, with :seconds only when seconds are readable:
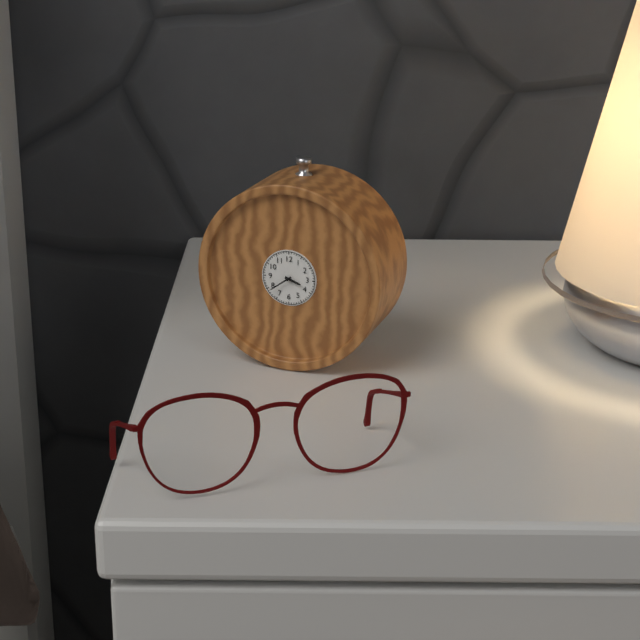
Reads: 3:39
